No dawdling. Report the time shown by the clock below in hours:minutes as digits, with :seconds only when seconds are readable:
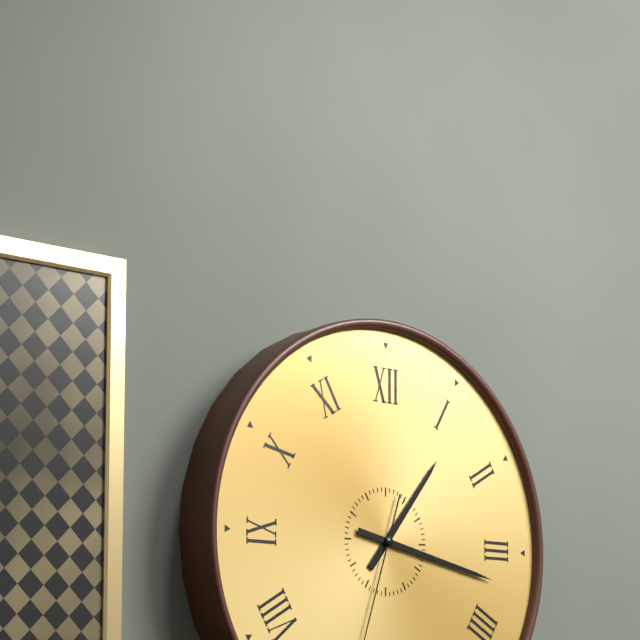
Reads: 1:17
